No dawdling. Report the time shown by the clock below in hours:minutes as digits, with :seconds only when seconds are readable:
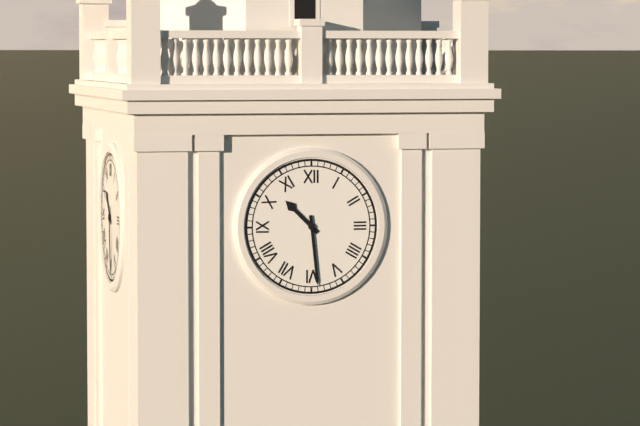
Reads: 10:29
